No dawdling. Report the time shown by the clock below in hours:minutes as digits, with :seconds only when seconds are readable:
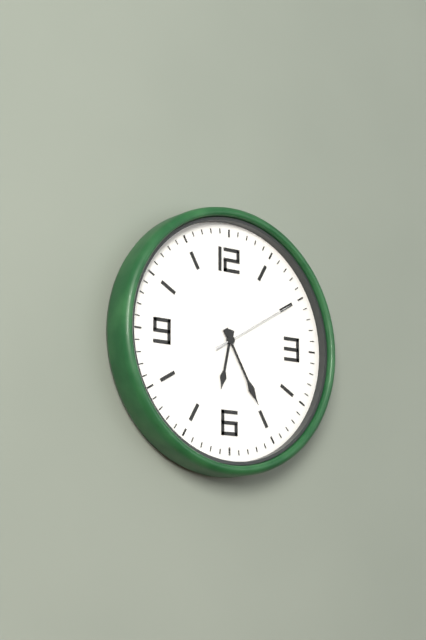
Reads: 6:25:10
